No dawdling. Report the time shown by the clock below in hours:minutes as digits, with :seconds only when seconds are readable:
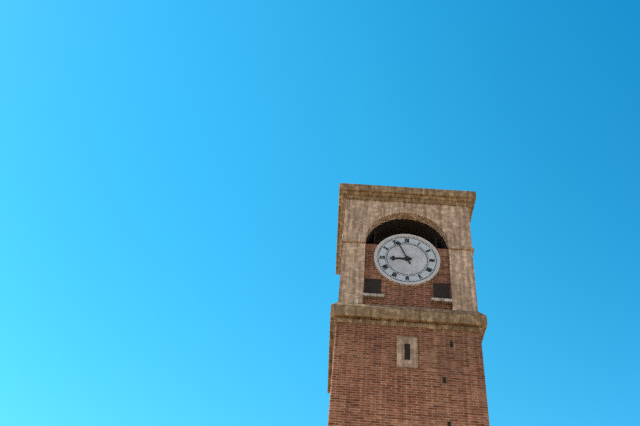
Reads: 8:56
